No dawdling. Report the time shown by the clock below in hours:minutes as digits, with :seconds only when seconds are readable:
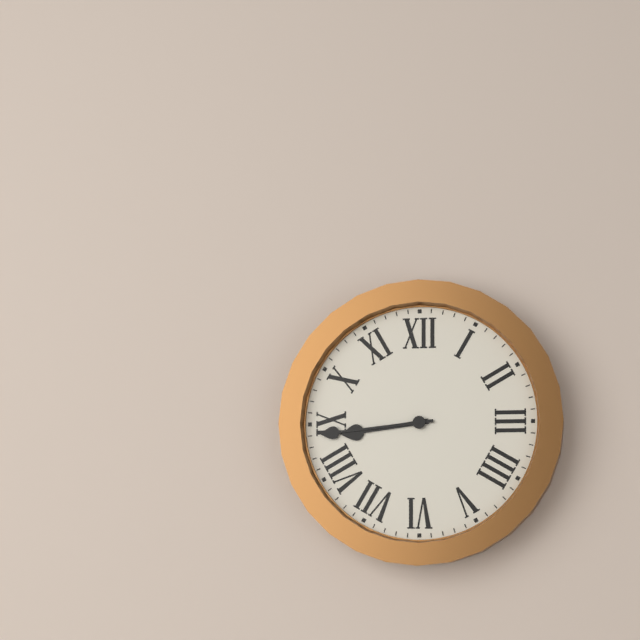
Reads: 8:44
